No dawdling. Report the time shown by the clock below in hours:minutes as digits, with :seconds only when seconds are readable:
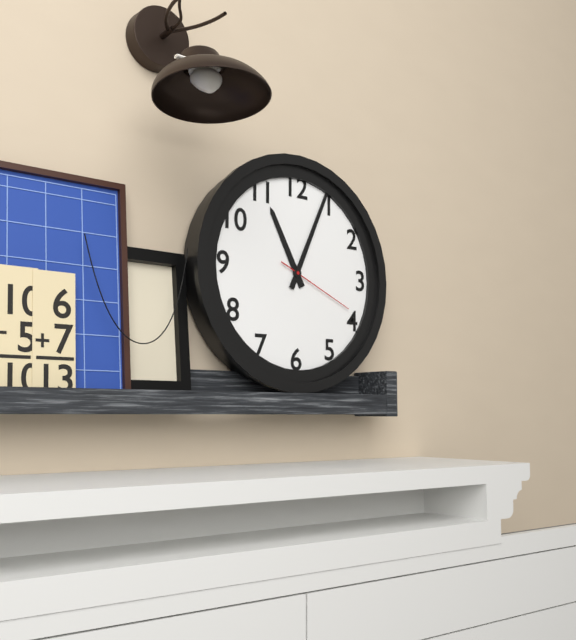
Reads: 11:04:19
